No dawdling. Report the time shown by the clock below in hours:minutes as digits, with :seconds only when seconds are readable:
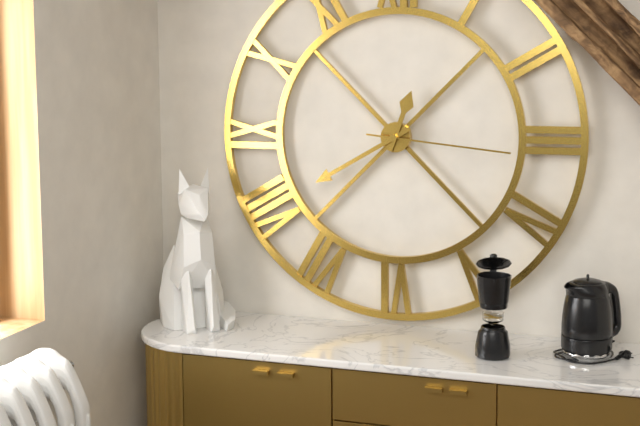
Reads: 12:40:16
